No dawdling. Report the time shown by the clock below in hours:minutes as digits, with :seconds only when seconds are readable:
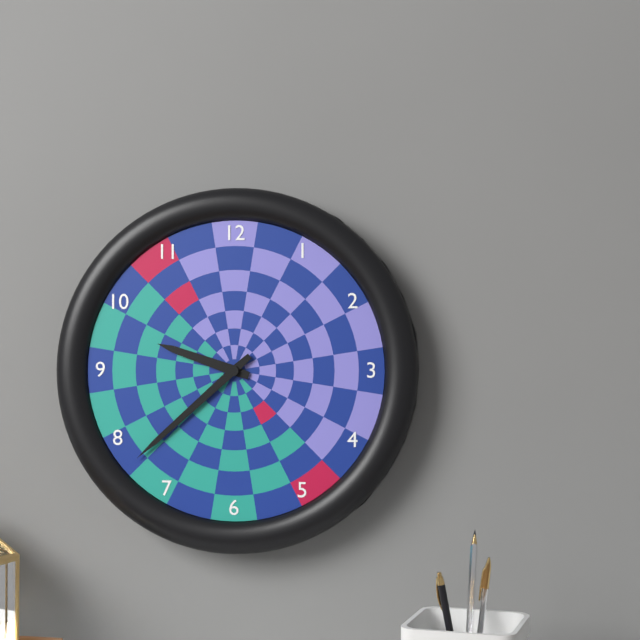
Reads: 9:38
